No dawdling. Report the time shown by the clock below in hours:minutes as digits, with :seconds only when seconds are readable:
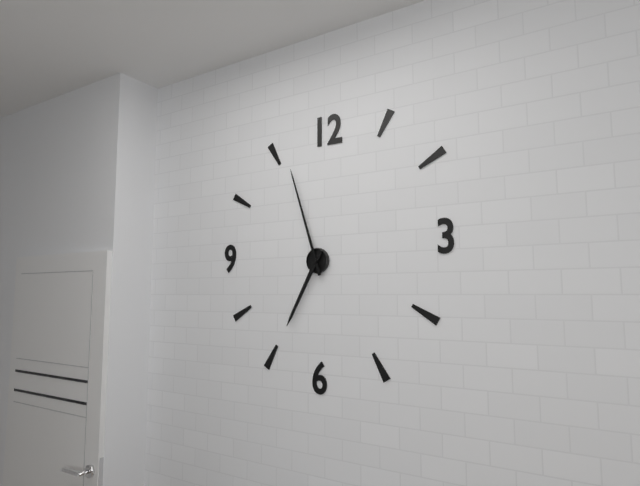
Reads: 6:57
